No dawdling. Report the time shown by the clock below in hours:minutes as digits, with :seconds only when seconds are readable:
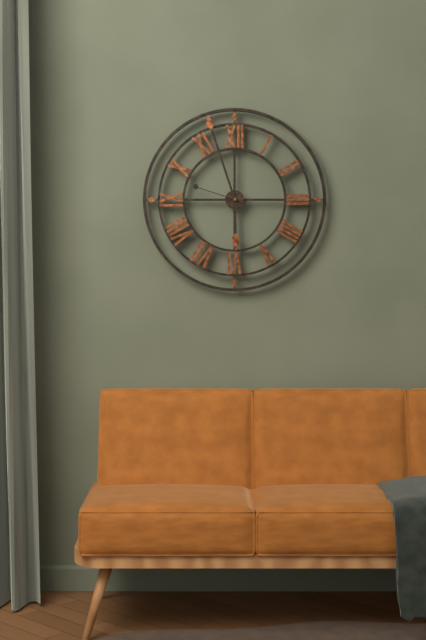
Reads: 5:57:48
